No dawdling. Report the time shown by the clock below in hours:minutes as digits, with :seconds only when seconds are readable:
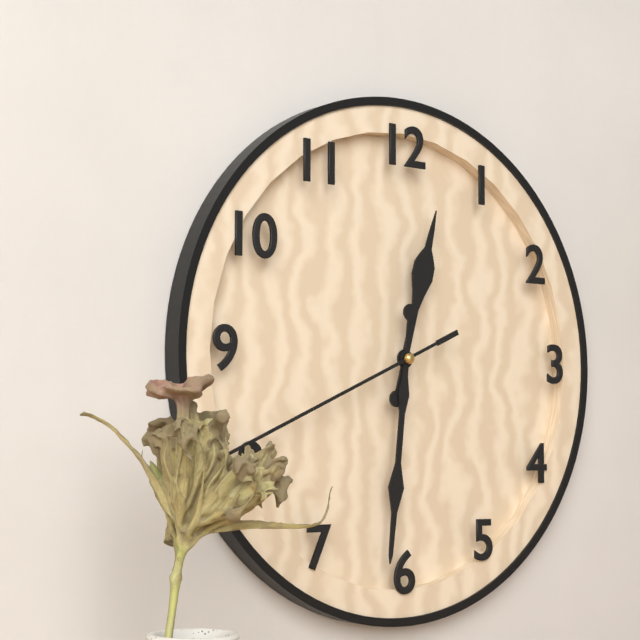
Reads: 12:31:41
